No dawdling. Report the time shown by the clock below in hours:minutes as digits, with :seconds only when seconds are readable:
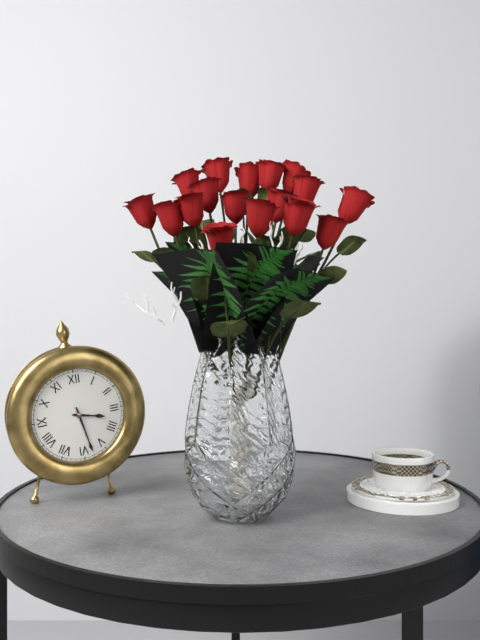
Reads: 3:28
